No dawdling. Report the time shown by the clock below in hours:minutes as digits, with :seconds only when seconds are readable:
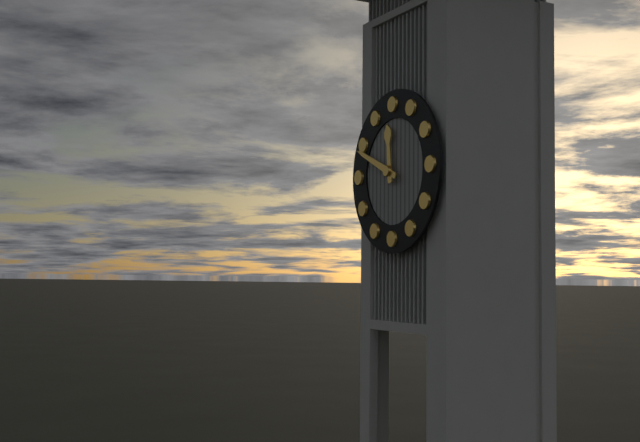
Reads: 11:49
